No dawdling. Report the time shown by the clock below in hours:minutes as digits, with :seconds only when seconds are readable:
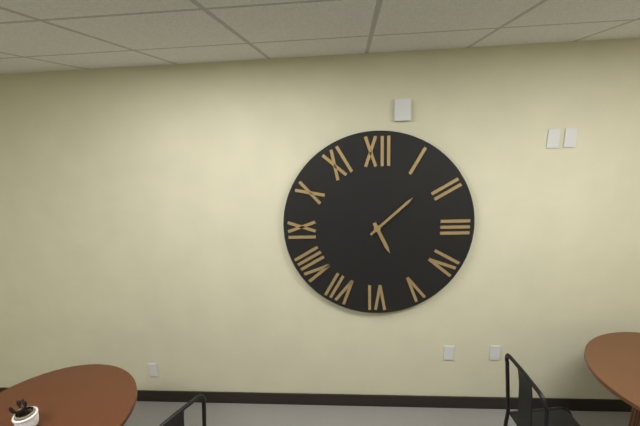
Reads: 5:08
